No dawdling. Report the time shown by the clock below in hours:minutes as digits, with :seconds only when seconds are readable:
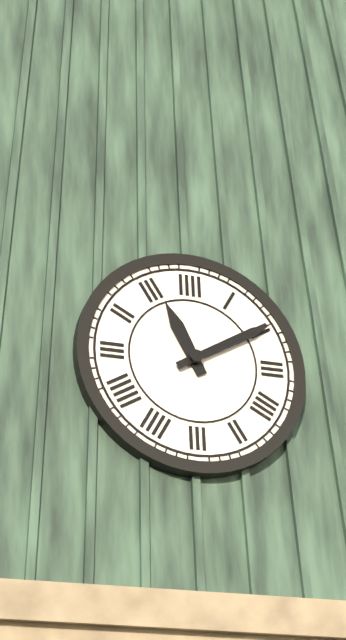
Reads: 11:10
